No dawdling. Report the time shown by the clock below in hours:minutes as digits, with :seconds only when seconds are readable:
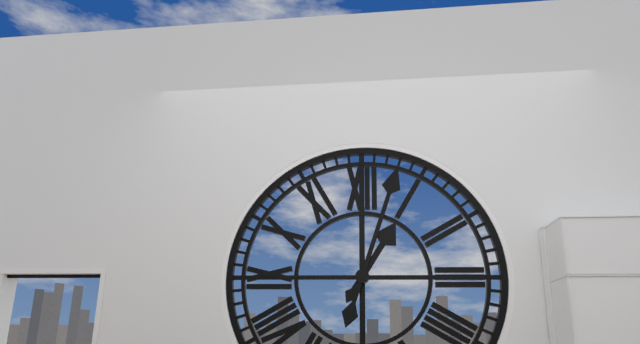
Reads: 1:03
